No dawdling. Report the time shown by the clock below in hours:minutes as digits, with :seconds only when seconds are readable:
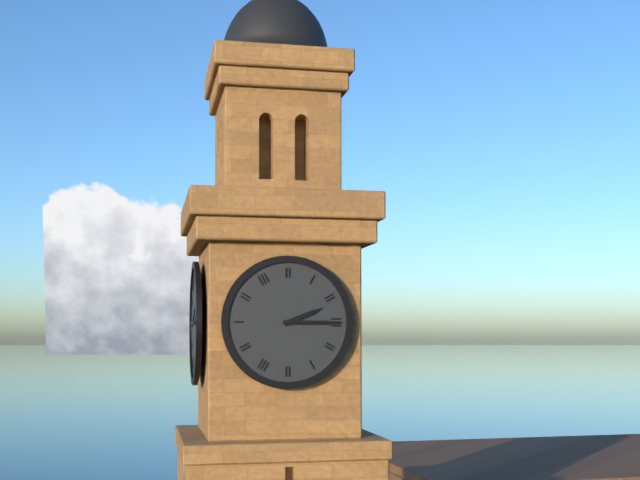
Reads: 2:15
